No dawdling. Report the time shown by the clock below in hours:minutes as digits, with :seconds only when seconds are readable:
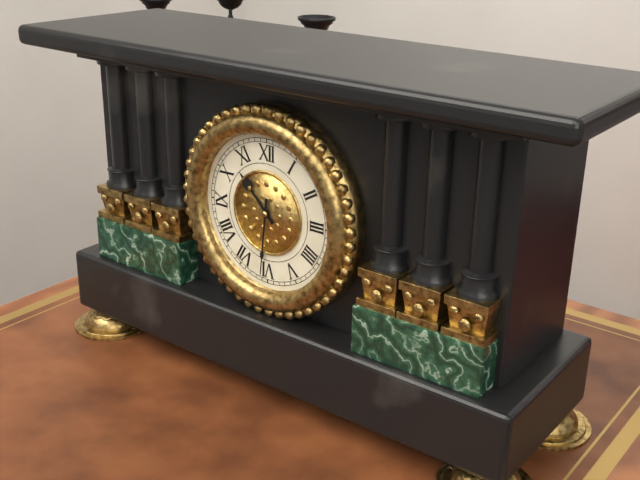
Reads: 10:31
